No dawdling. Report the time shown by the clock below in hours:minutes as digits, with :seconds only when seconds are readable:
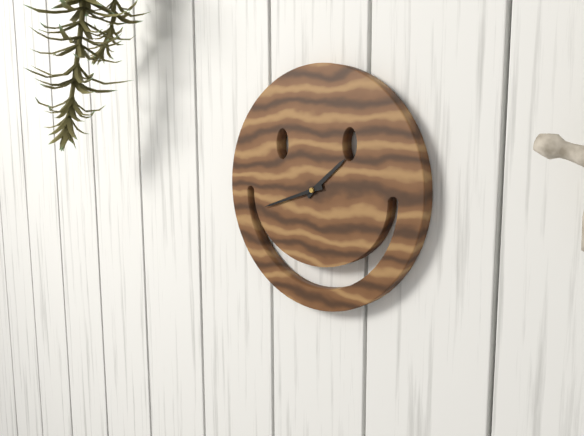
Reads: 1:42
